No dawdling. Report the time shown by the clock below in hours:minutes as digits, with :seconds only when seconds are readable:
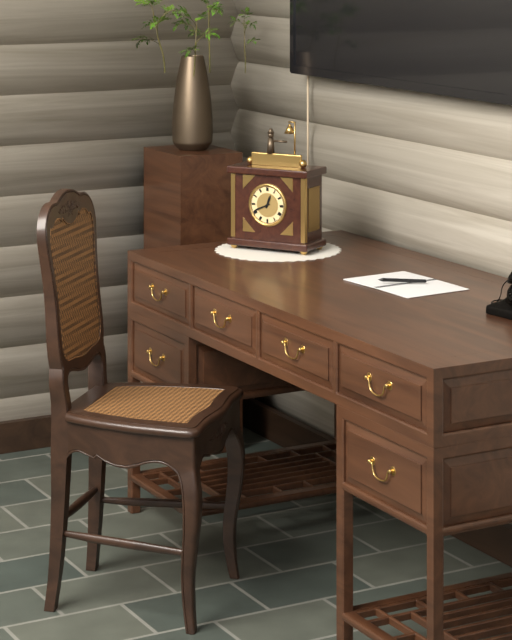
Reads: 12:41
